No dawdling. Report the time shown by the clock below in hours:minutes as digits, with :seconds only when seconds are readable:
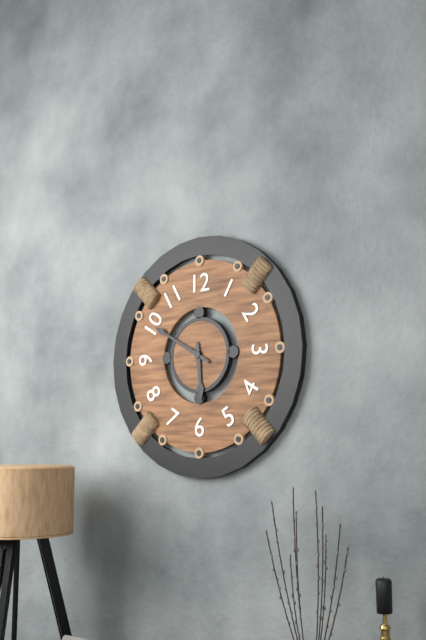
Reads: 5:50
